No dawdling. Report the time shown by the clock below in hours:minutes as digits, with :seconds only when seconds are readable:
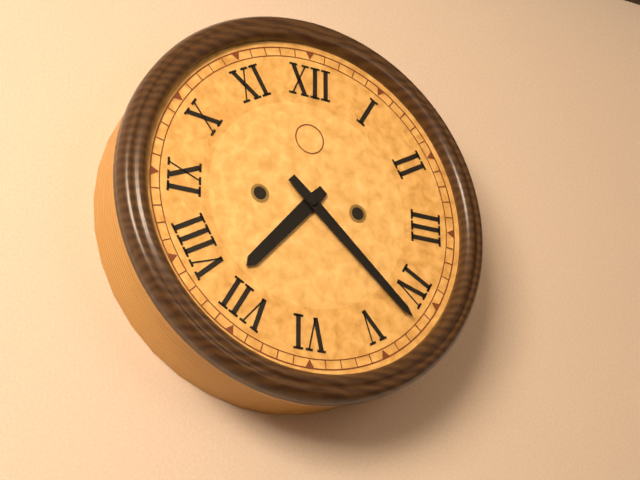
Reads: 7:22
